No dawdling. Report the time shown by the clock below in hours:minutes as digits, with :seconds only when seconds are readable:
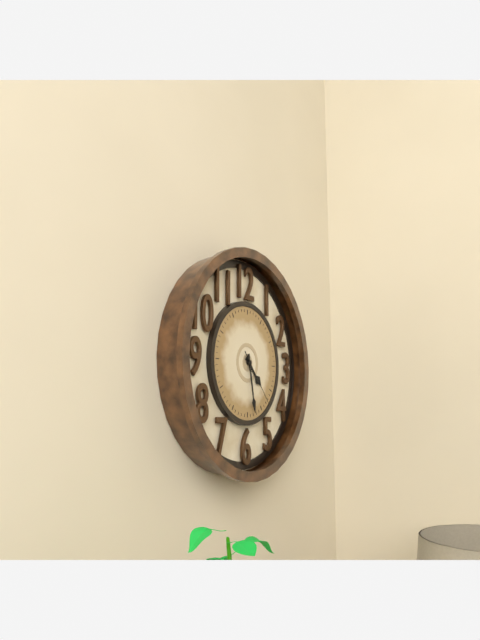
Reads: 4:28:23
